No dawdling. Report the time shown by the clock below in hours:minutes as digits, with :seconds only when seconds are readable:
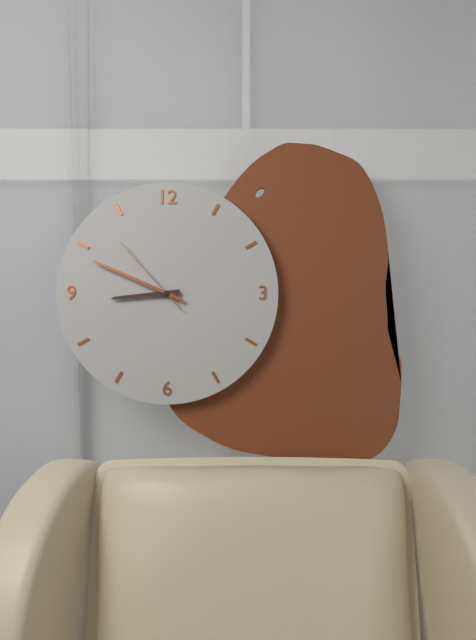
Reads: 8:49:53
